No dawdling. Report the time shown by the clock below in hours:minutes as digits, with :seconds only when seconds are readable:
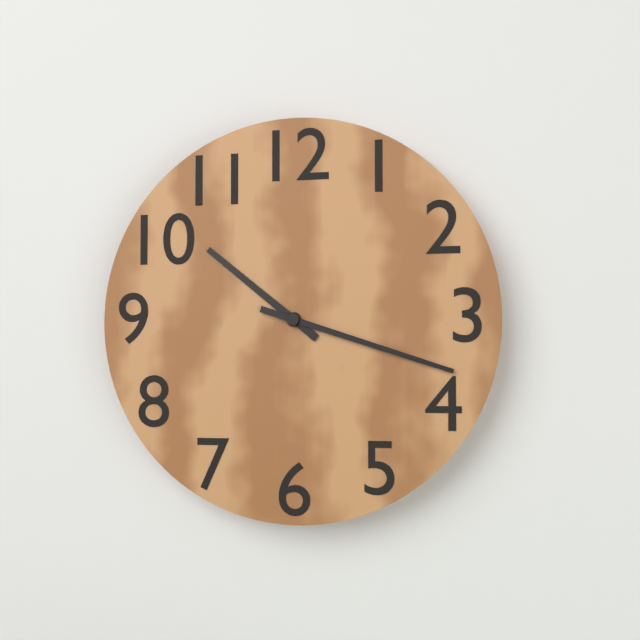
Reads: 10:18
